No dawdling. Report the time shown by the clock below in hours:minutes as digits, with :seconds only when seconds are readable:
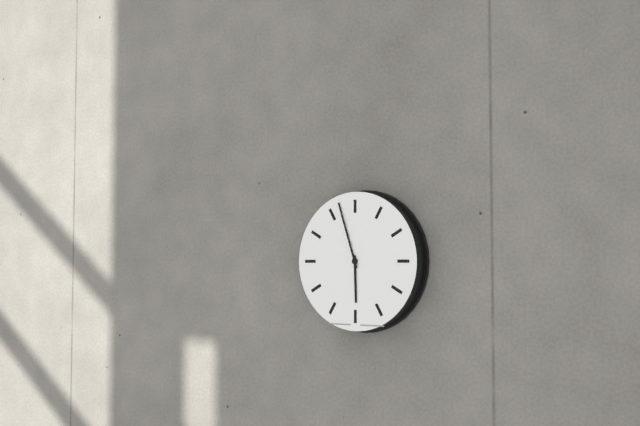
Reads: 5:57
